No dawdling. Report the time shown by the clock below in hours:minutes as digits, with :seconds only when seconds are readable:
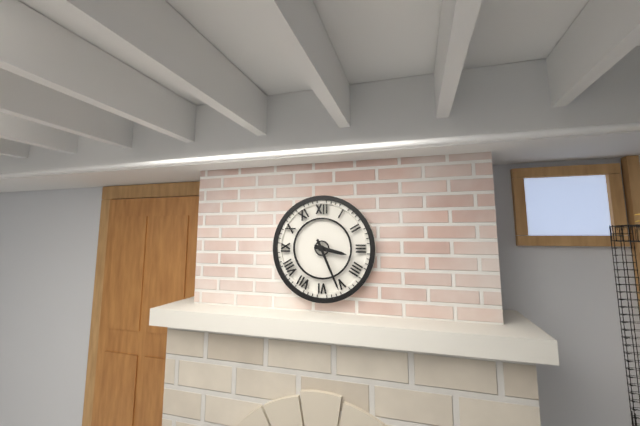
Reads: 3:26
